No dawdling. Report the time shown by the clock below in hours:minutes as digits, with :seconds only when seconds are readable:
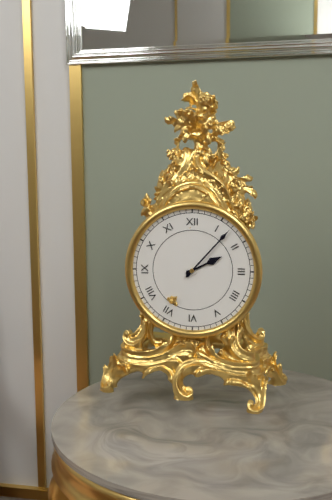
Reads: 2:07
